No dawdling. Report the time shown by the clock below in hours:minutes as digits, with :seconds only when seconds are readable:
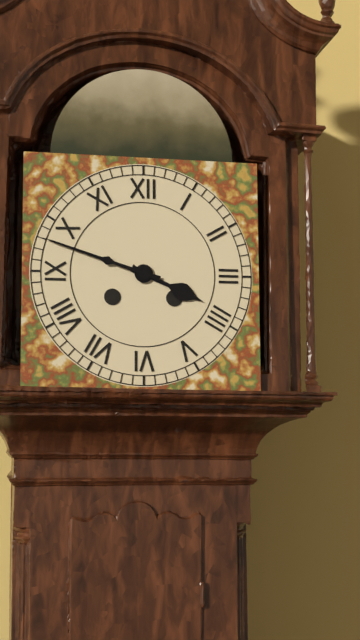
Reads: 3:48
